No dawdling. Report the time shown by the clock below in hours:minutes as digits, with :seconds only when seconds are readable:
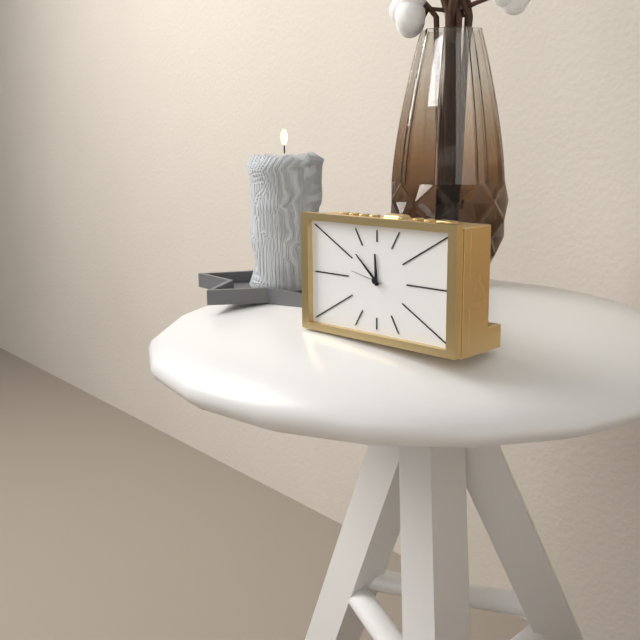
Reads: 11:52
